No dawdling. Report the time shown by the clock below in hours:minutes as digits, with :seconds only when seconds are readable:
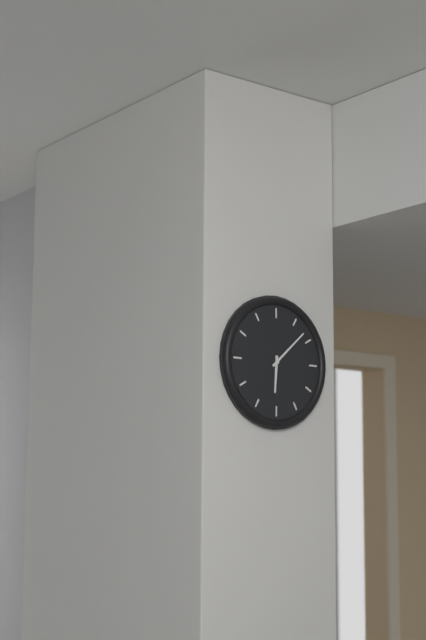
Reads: 6:08
